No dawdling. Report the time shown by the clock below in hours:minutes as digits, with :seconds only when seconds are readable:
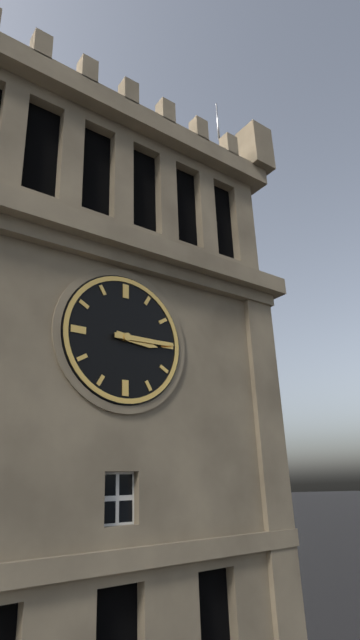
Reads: 3:15
